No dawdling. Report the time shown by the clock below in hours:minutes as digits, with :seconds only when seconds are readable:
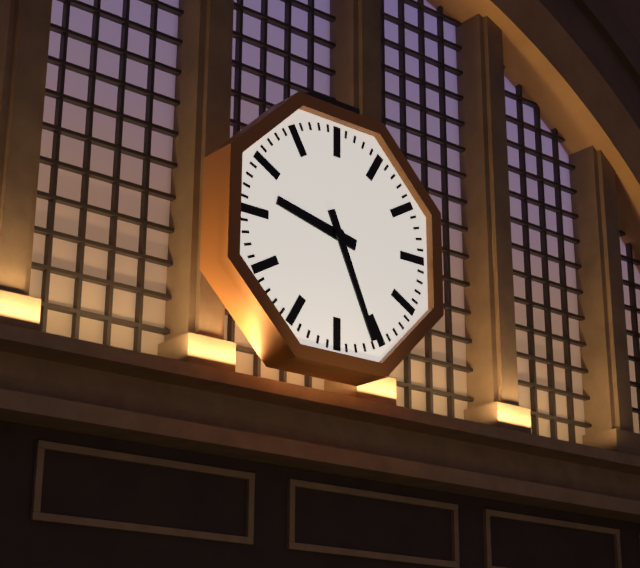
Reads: 9:26
